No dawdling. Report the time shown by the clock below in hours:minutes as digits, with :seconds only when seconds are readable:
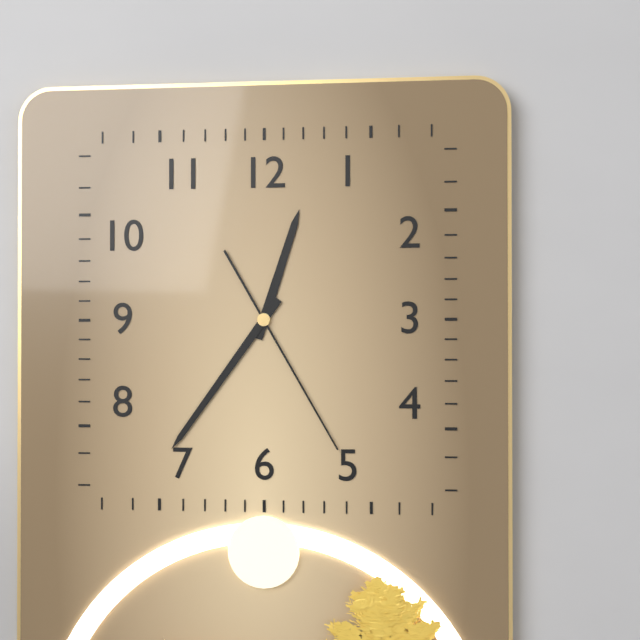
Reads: 12:36:25
